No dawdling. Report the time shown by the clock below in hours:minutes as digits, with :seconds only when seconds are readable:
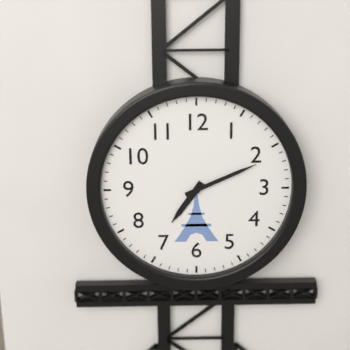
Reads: 7:11
